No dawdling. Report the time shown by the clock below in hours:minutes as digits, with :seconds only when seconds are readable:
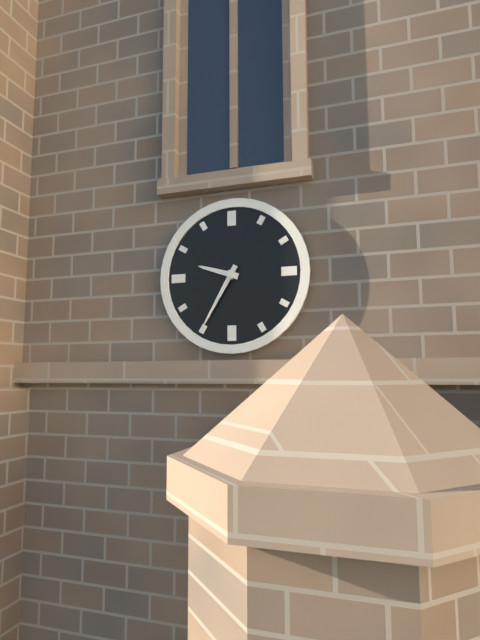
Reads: 9:35
